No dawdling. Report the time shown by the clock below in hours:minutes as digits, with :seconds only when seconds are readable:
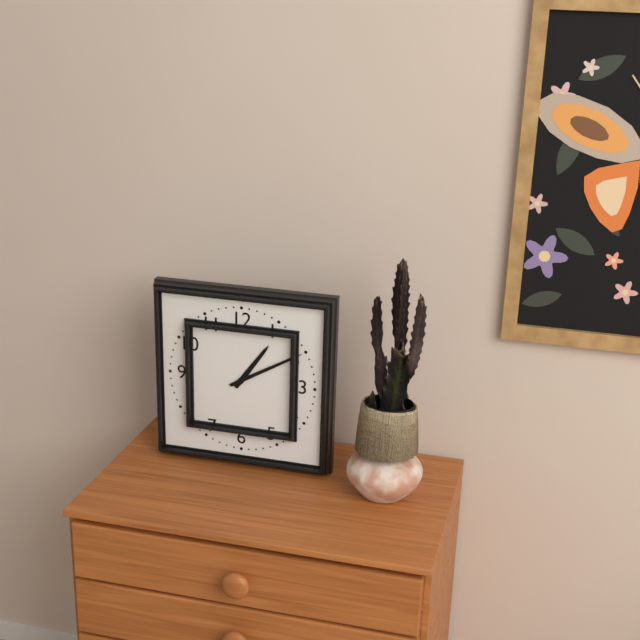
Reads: 1:10
